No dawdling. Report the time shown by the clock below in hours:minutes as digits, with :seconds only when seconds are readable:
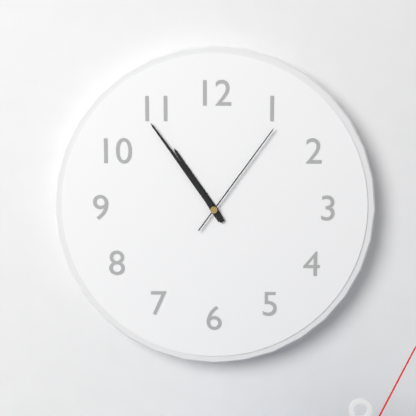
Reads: 10:54:06
